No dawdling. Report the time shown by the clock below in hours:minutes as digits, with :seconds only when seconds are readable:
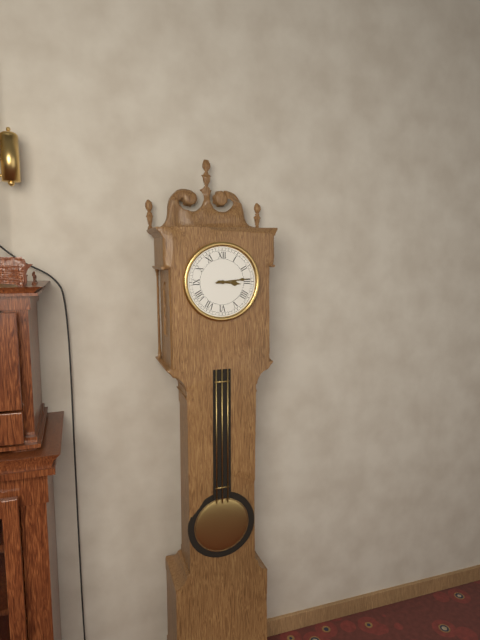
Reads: 3:14
